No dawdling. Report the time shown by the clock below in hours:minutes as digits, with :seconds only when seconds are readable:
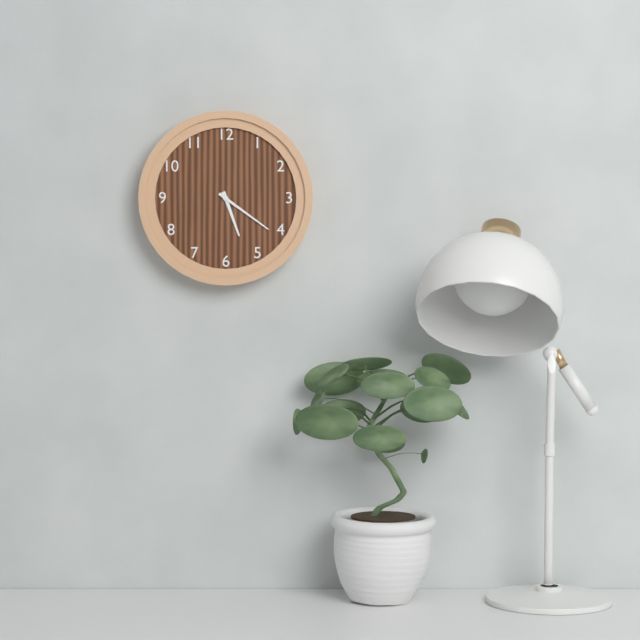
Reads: 5:21
